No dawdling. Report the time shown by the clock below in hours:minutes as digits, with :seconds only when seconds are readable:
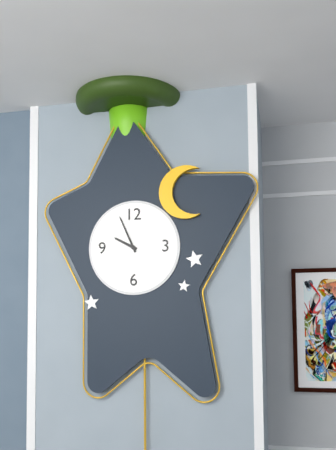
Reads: 9:56
